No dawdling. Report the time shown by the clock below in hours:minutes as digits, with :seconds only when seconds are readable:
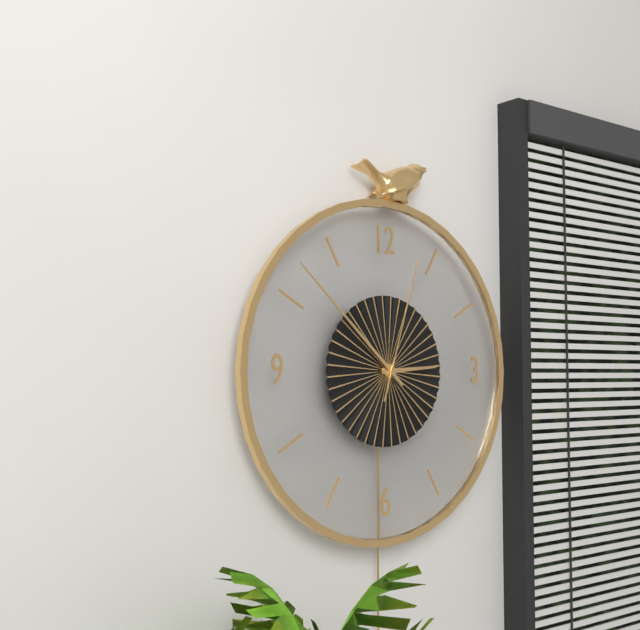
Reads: 2:52:03
